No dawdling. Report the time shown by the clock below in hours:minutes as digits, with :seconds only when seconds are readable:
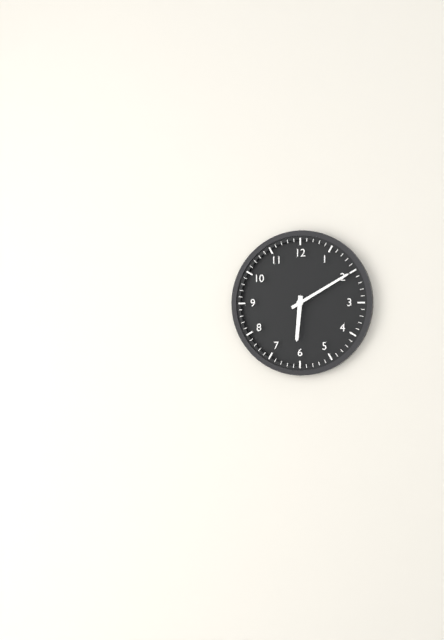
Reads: 6:10
